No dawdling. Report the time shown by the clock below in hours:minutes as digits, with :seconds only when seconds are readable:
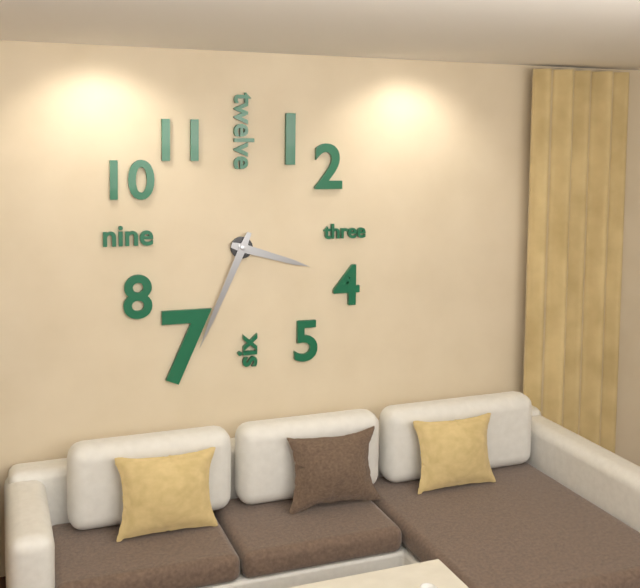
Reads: 3:34
